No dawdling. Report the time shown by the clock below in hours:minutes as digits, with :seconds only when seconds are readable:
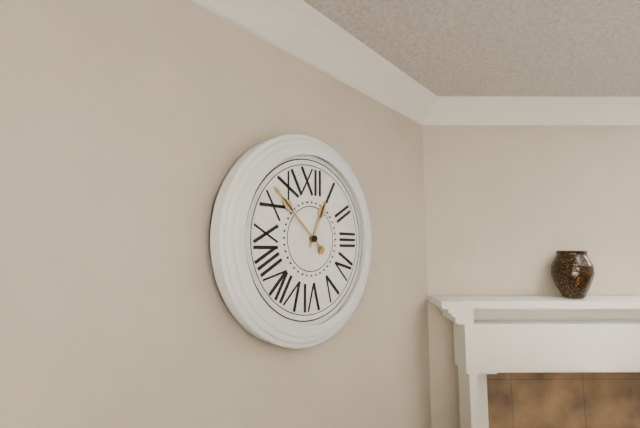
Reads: 12:52
